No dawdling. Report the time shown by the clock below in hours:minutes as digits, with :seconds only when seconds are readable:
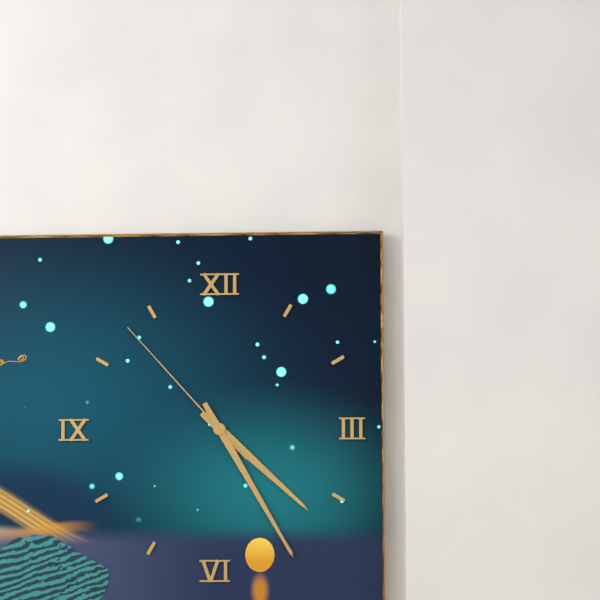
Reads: 4:25:53
